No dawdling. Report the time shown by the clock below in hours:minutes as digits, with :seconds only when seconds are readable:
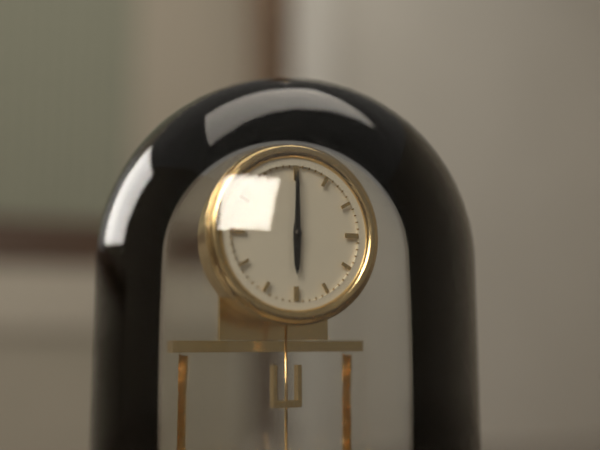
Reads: 6:00
